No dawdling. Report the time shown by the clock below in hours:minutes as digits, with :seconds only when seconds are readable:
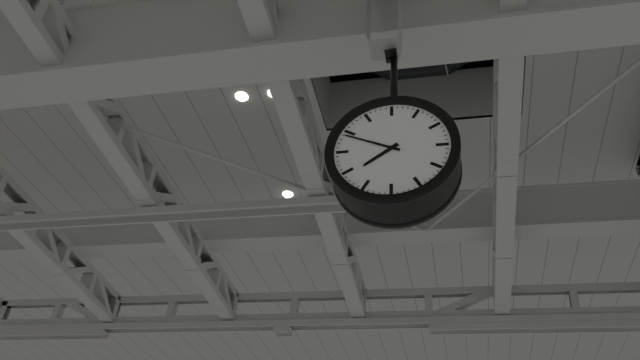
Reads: 7:49
